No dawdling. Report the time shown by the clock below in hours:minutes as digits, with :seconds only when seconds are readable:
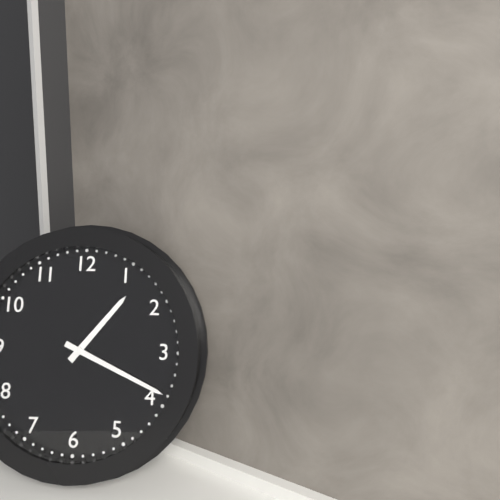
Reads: 1:19
